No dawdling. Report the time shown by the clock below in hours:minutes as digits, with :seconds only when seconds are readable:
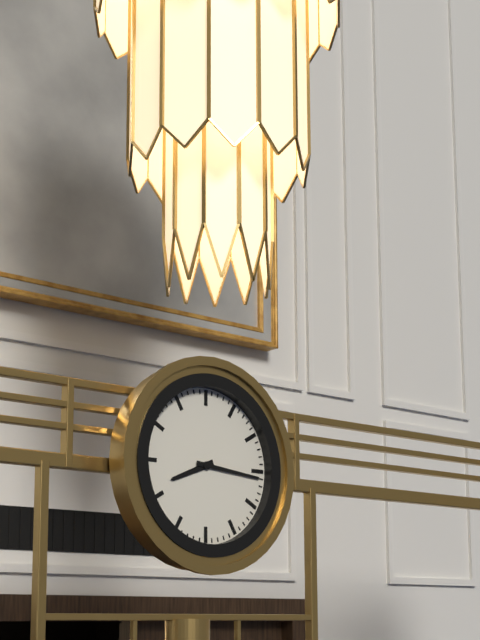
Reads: 8:16
